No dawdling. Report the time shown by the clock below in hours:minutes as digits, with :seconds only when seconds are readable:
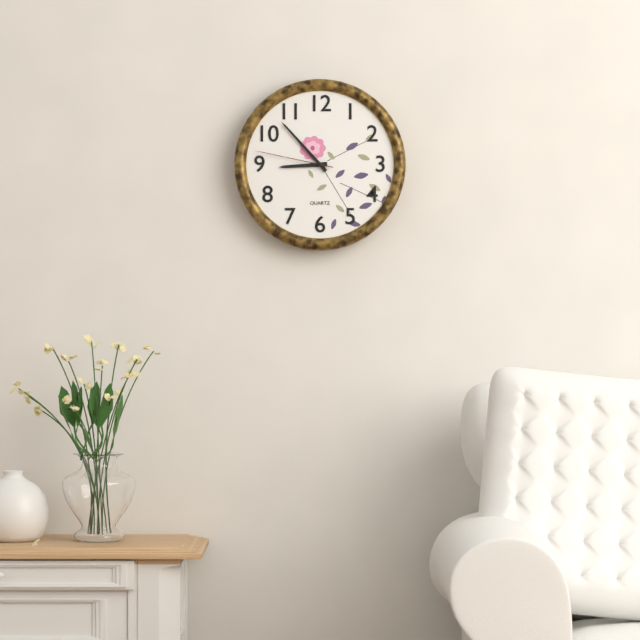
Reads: 8:53:47
